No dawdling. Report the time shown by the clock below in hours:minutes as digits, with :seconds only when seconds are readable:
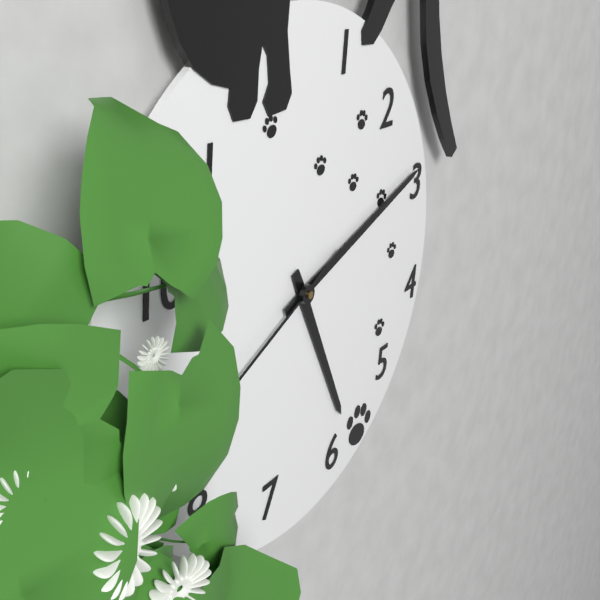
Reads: 5:12
